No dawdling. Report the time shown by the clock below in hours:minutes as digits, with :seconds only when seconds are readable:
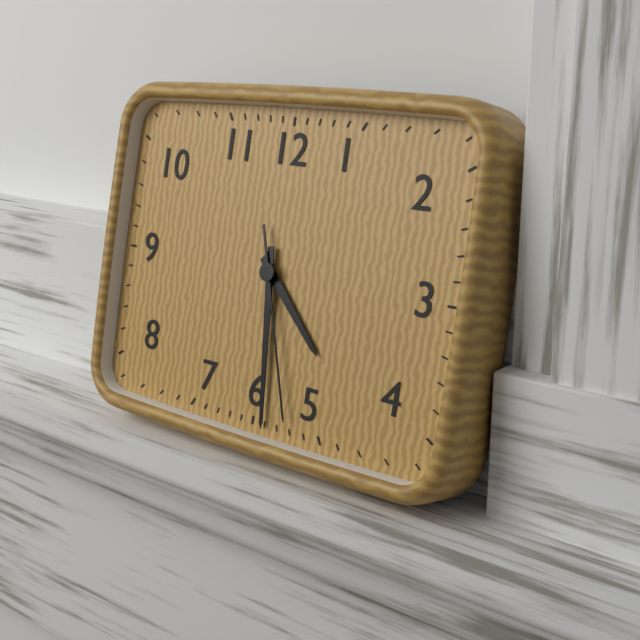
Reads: 4:29:27
